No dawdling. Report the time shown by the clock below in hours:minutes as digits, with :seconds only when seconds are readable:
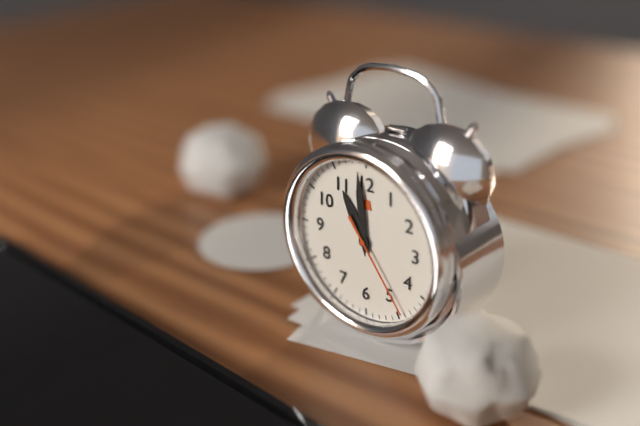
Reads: 10:59:24
